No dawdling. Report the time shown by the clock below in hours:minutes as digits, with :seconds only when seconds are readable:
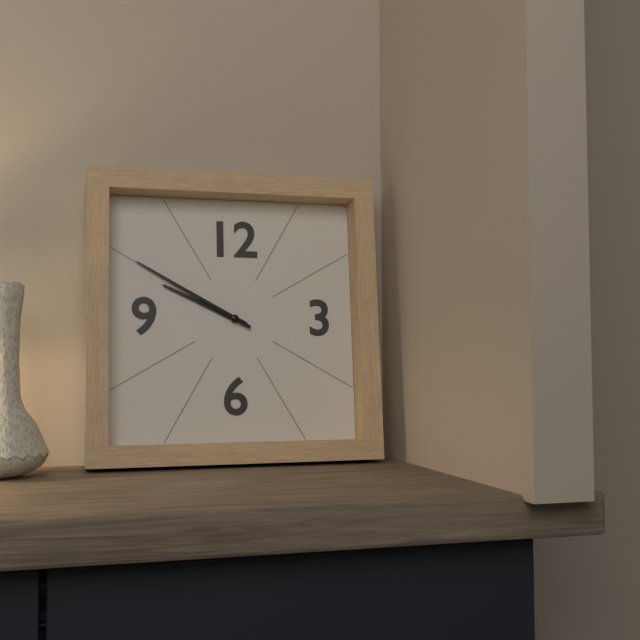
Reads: 9:50
